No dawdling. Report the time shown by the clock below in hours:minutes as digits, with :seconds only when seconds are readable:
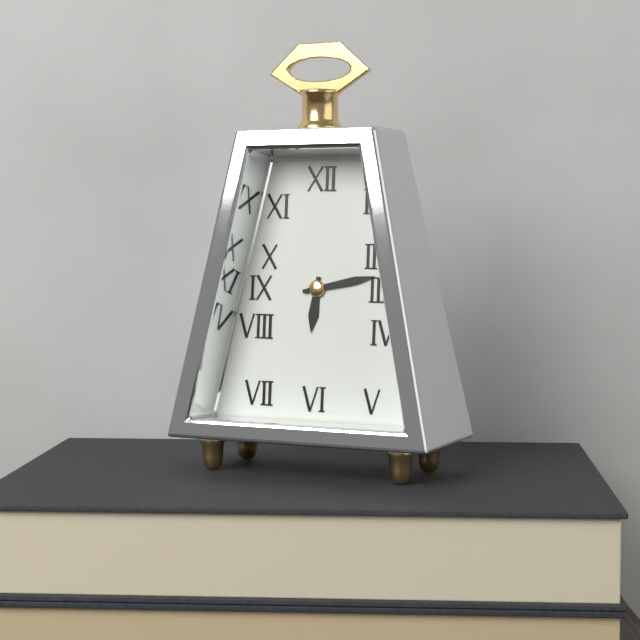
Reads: 6:13
